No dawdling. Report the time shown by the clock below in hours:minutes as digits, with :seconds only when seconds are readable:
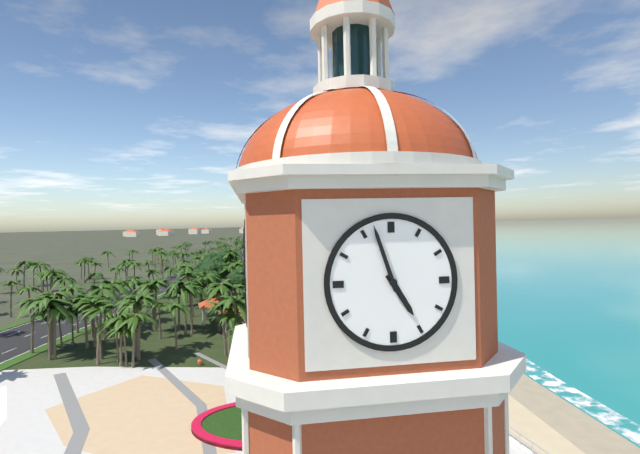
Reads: 4:57
